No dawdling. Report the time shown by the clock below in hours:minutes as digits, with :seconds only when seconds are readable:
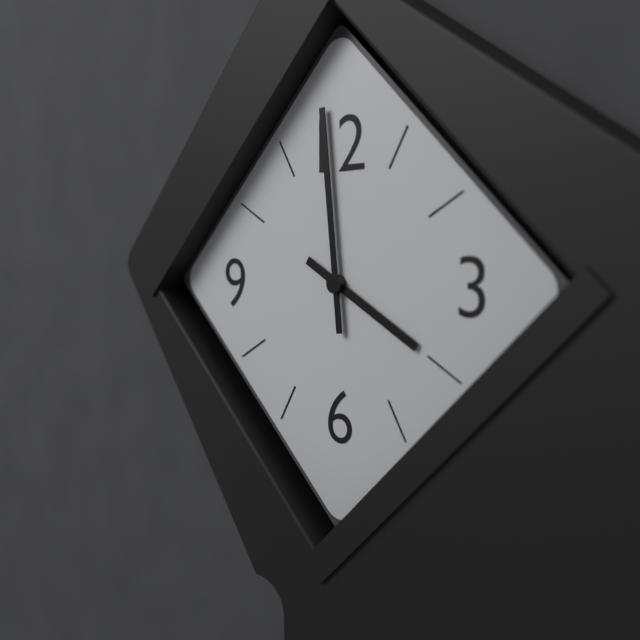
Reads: 3:59
